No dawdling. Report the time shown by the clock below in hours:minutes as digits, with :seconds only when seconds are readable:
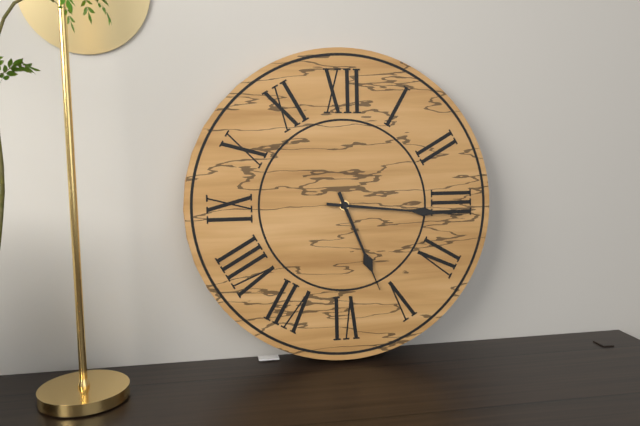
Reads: 5:16
